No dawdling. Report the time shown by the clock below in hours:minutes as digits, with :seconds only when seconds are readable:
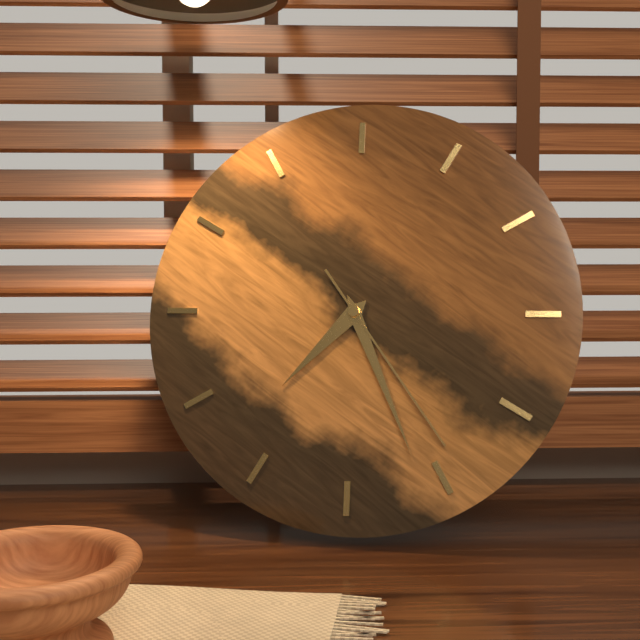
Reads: 7:26:24
